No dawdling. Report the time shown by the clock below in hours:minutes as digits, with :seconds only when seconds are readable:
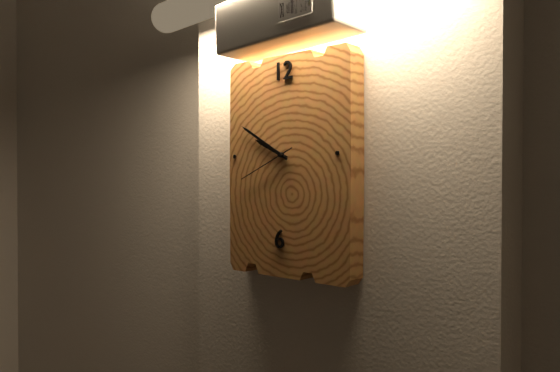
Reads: 9:50:41
